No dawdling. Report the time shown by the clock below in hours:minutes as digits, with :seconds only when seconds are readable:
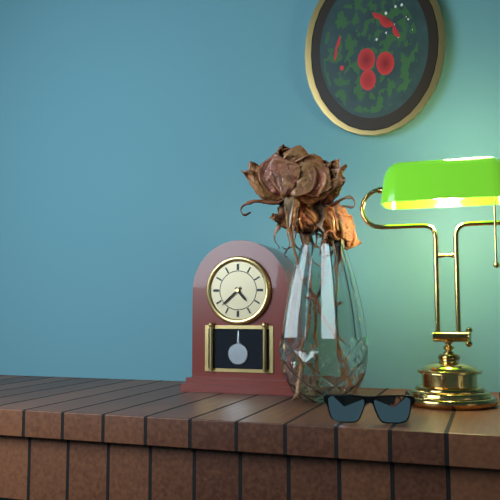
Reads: 4:38
